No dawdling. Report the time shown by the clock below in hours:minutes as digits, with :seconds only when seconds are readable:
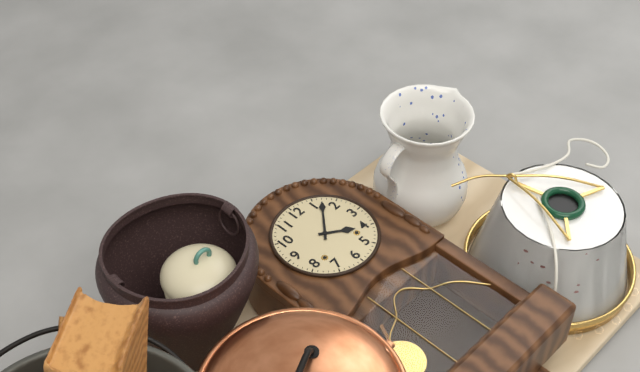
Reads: 4:07
